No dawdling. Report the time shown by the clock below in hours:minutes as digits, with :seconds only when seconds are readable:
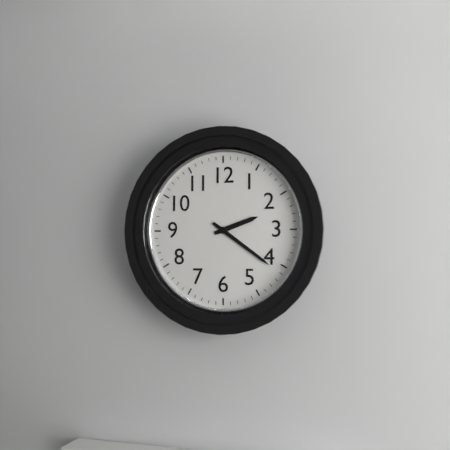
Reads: 2:21
